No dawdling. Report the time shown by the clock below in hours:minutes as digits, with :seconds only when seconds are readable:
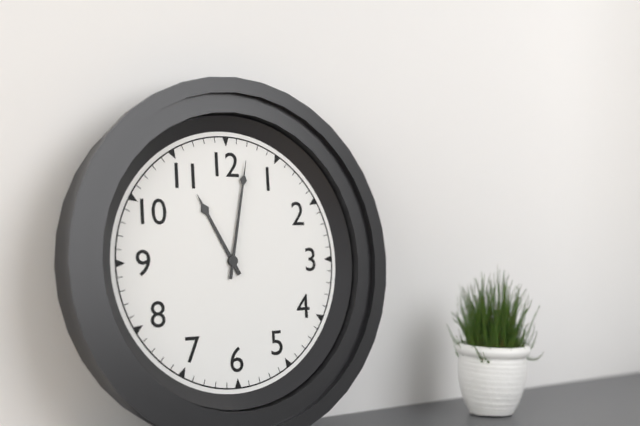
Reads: 11:02
